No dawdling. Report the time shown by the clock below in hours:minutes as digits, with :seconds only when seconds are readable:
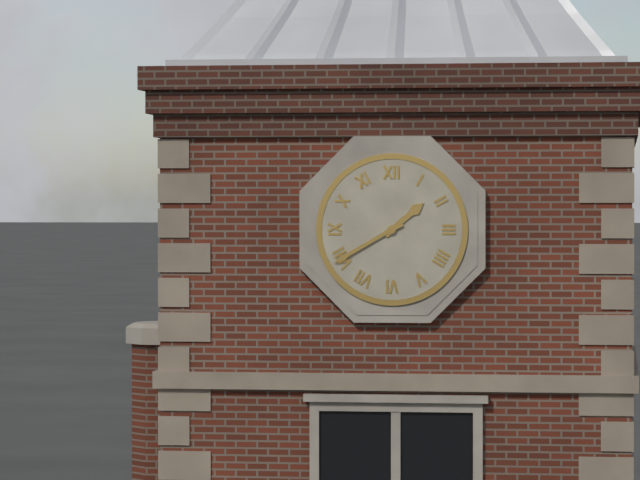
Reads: 1:40
